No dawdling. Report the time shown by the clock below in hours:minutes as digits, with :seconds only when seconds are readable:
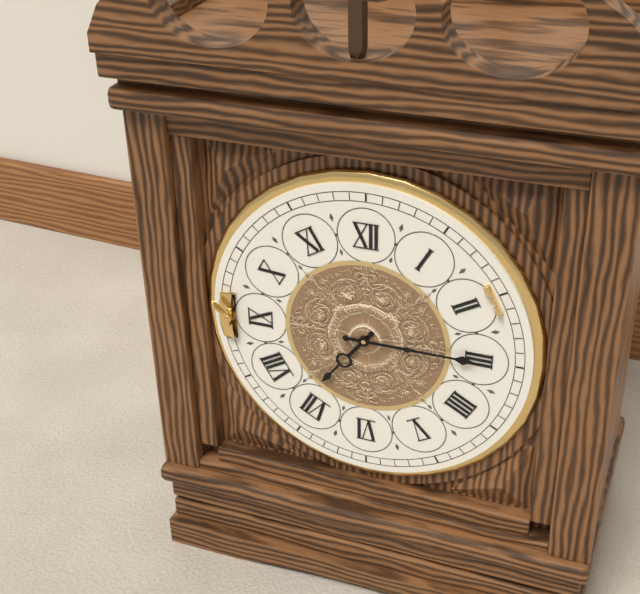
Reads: 7:15
